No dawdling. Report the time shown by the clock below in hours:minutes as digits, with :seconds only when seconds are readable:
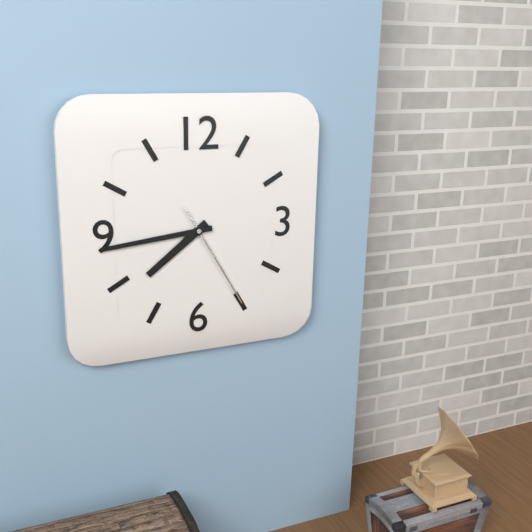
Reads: 7:44:25
